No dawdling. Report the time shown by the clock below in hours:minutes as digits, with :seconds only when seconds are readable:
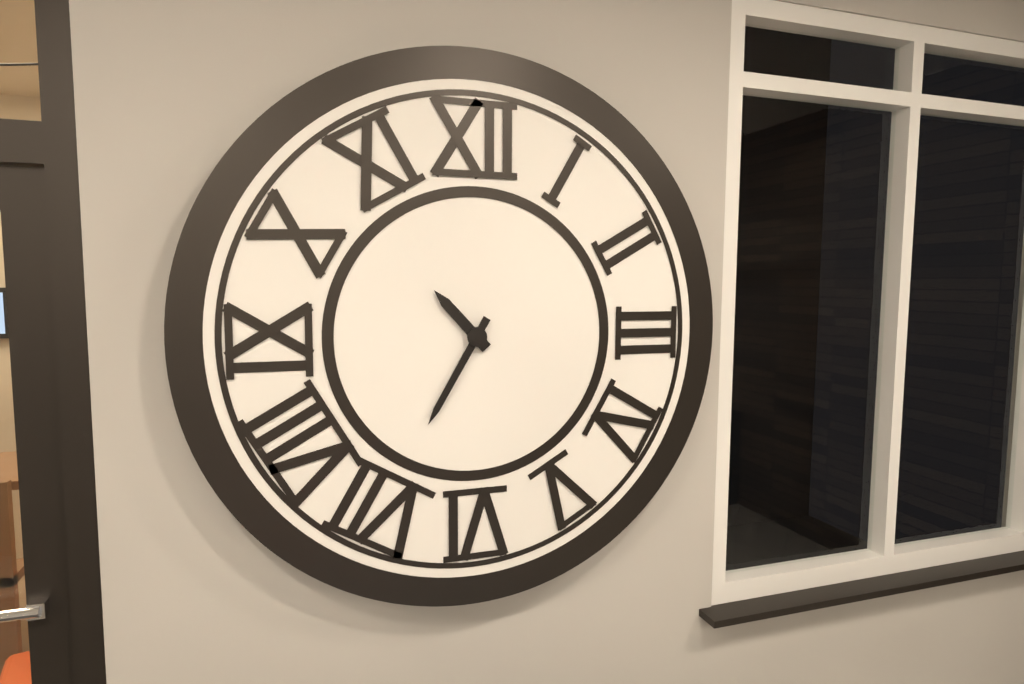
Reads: 10:35
